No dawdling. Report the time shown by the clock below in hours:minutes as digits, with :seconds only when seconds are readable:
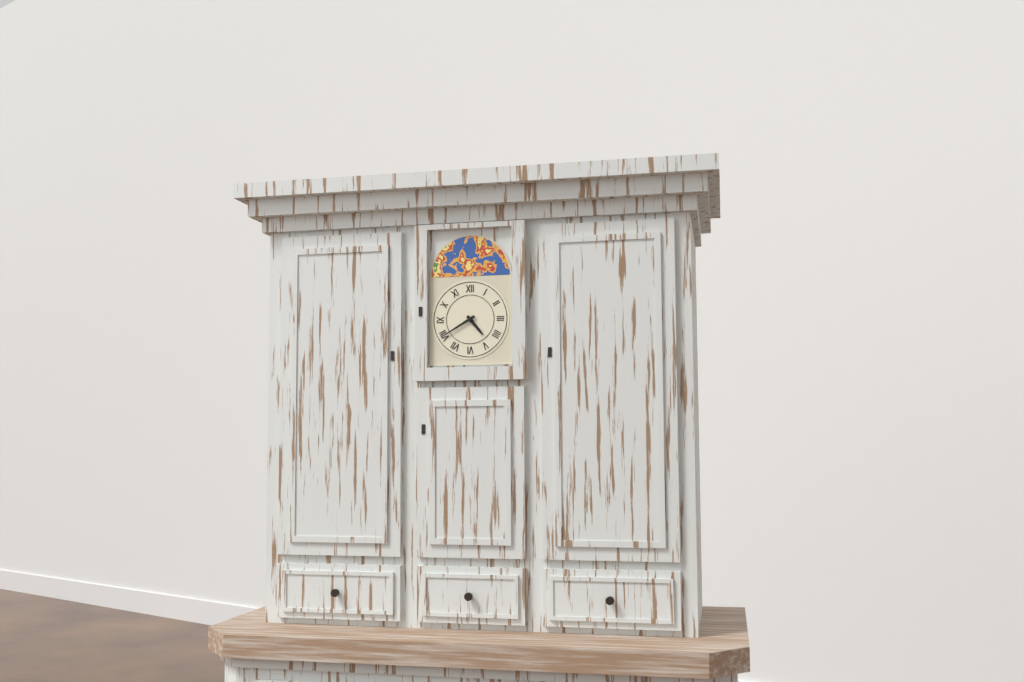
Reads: 4:40
